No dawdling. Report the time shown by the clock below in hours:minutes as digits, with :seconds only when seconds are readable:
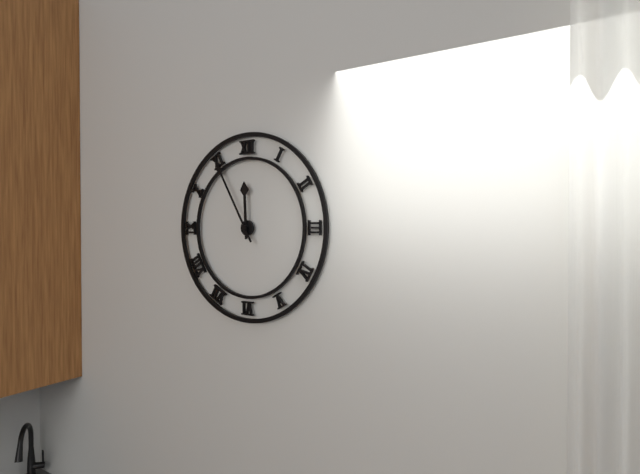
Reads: 11:55
